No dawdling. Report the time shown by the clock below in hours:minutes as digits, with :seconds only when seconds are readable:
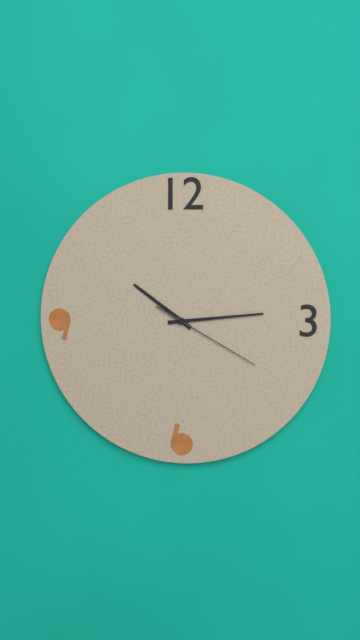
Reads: 10:14:20
